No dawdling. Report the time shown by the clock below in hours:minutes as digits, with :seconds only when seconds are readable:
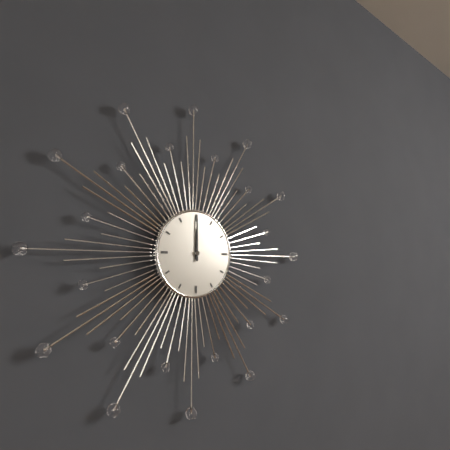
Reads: 12:00
